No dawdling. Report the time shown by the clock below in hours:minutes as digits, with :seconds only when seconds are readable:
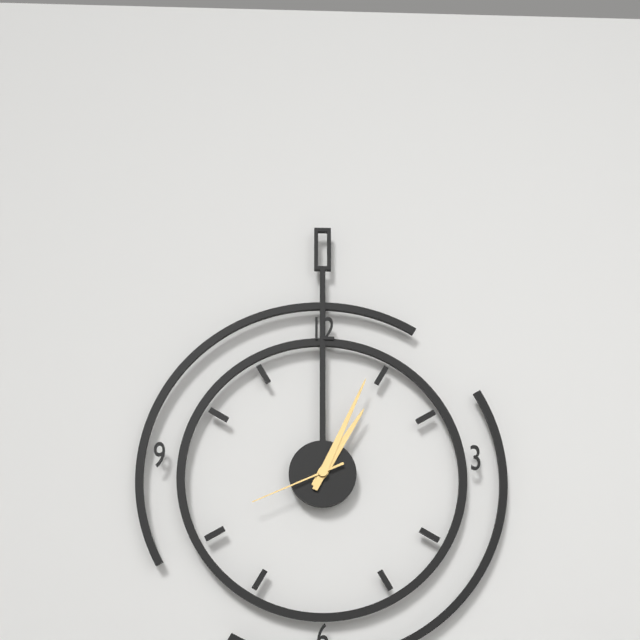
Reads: 1:04:41
